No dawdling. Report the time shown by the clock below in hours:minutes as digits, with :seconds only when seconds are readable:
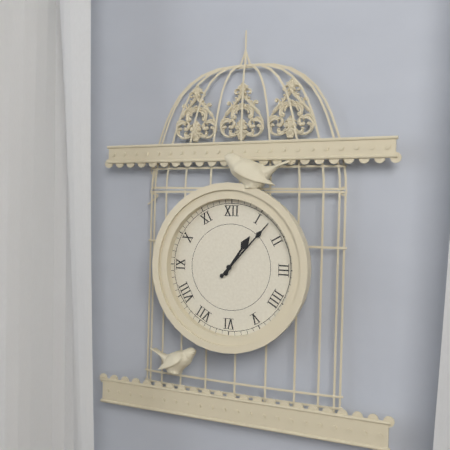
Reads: 1:07
